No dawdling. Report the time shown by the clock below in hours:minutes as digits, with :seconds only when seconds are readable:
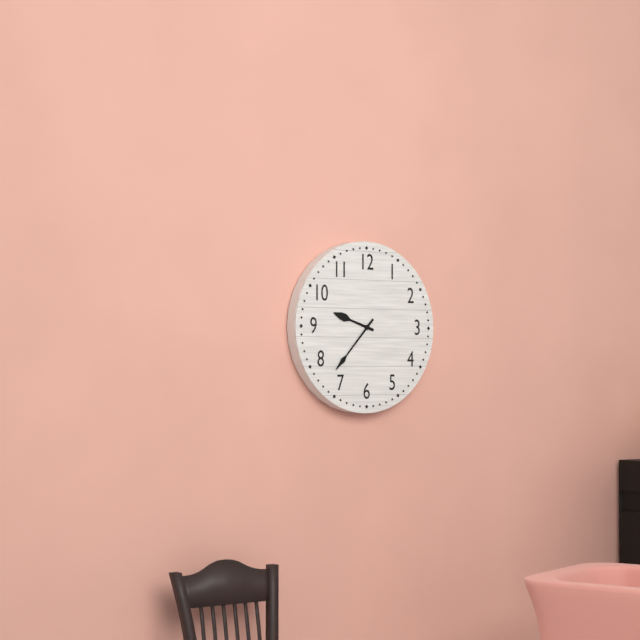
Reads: 9:37
